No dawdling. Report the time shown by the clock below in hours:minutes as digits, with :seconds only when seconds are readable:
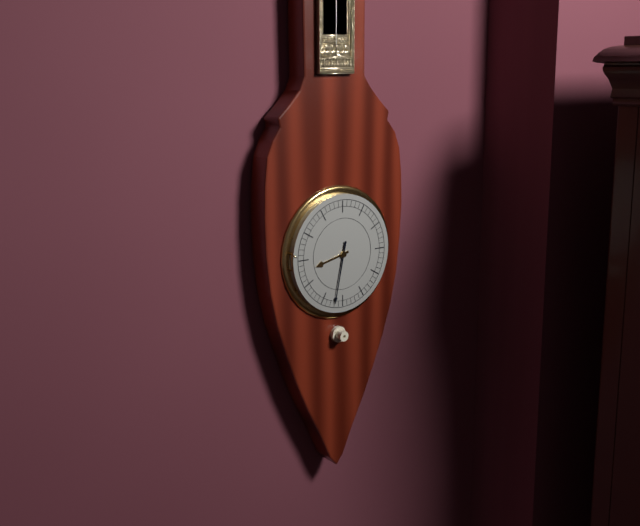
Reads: 8:32
